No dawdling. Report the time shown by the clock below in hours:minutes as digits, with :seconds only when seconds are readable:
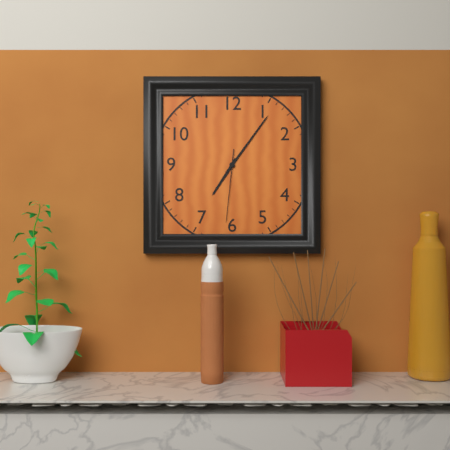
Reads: 7:06:31
